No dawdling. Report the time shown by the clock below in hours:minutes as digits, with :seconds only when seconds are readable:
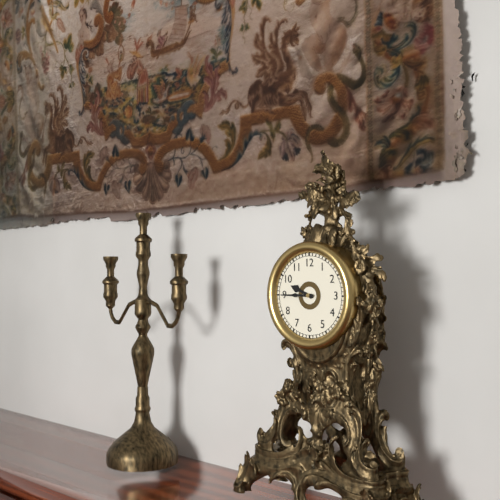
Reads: 9:45
